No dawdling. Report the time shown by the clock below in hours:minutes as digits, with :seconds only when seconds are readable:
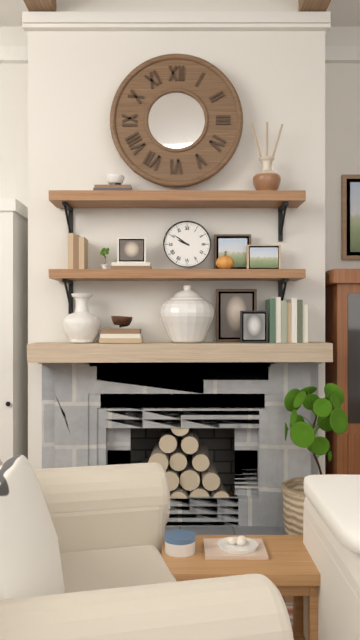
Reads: 9:51
